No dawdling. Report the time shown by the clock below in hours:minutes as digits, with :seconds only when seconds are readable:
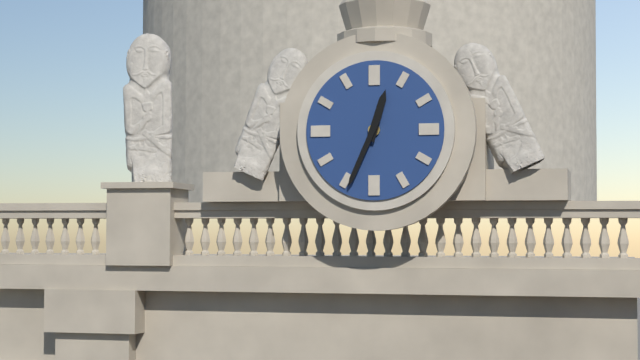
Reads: 12:34
